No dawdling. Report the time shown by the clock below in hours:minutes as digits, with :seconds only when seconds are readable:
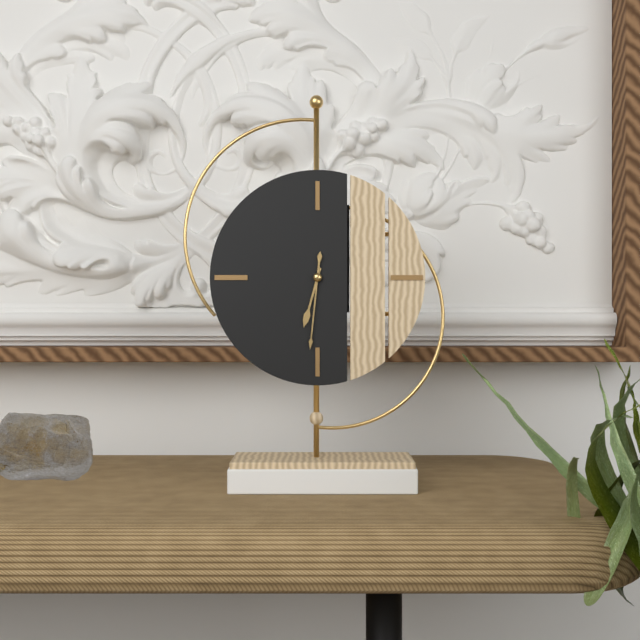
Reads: 6:31
